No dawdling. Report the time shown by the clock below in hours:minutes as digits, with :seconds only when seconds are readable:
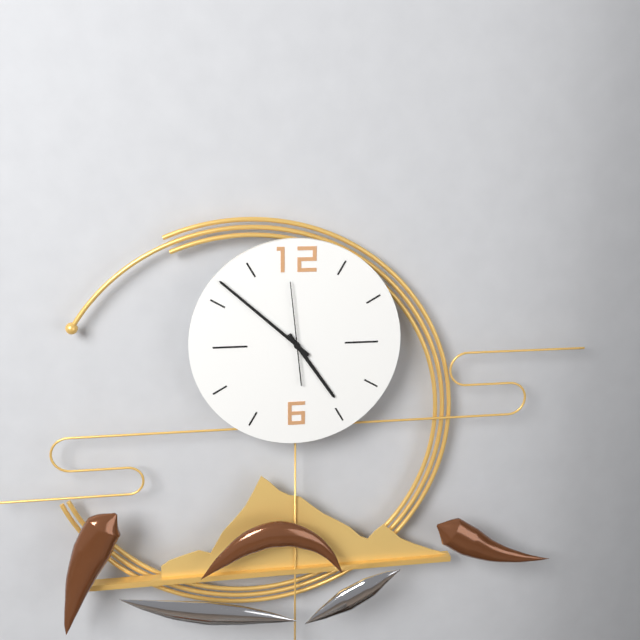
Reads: 4:52:59
